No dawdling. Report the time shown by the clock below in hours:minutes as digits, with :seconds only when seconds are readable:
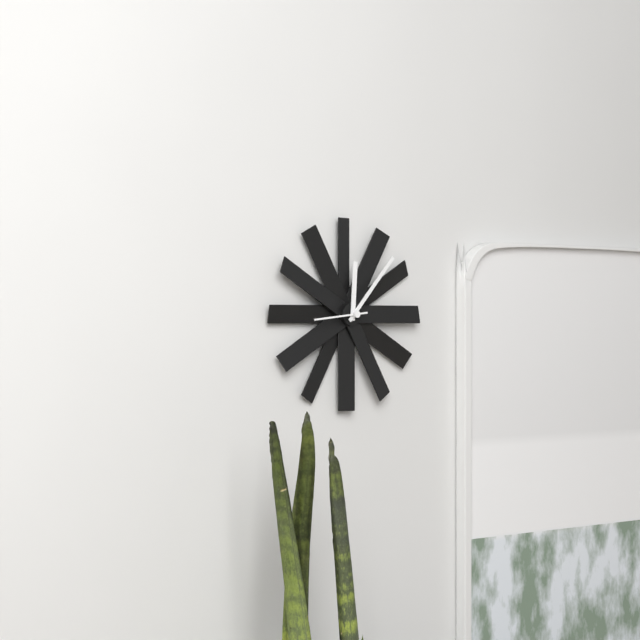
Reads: 12:07:44
